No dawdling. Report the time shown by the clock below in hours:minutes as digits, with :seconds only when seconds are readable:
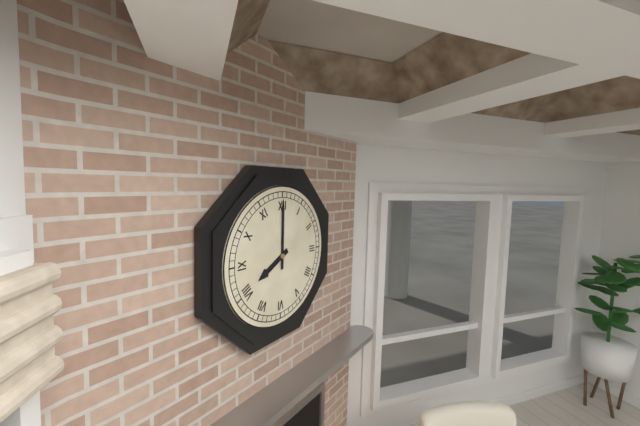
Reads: 8:00
